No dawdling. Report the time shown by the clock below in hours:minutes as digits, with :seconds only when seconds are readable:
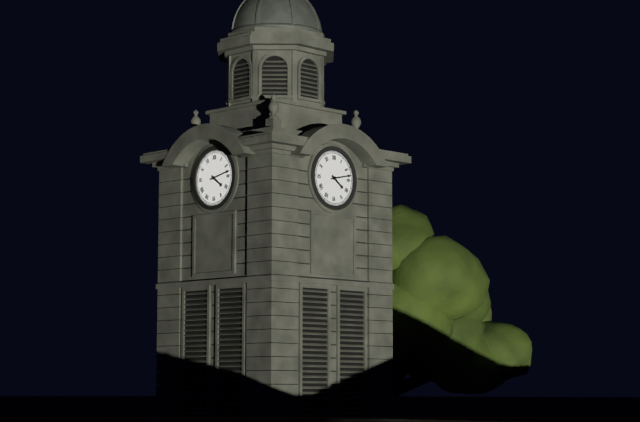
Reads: 4:13
